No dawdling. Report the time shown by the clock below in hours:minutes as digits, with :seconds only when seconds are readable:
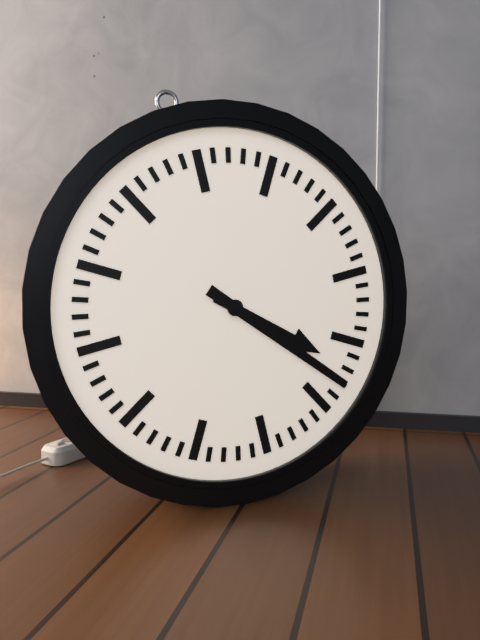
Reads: 4:23
